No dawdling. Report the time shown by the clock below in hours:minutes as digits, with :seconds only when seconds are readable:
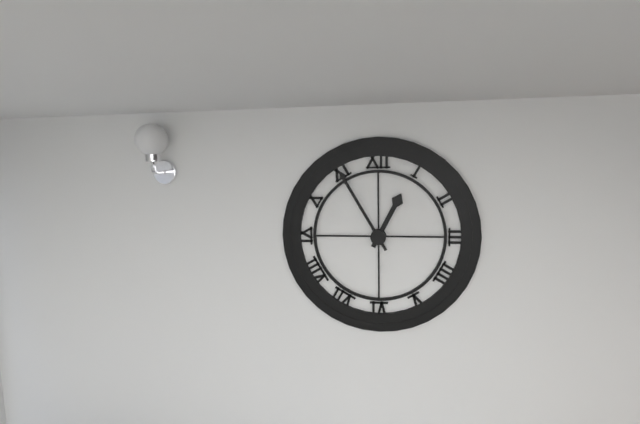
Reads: 12:55
